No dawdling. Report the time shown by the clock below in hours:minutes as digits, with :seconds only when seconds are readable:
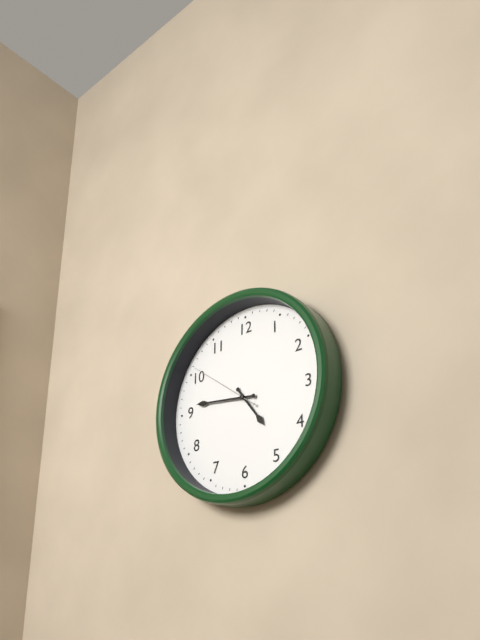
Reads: 4:46:51
